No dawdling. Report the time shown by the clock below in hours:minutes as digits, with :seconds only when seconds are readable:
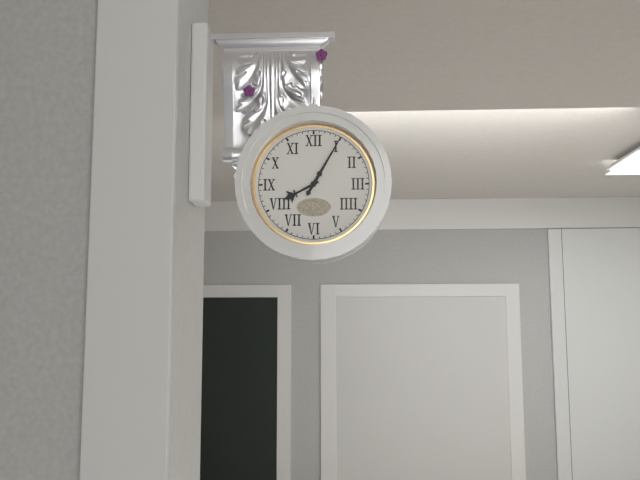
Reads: 8:05
